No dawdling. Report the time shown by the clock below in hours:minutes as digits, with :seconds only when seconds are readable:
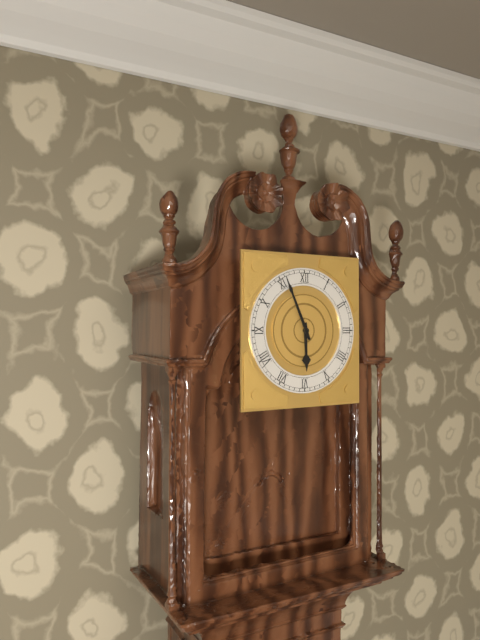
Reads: 5:56
